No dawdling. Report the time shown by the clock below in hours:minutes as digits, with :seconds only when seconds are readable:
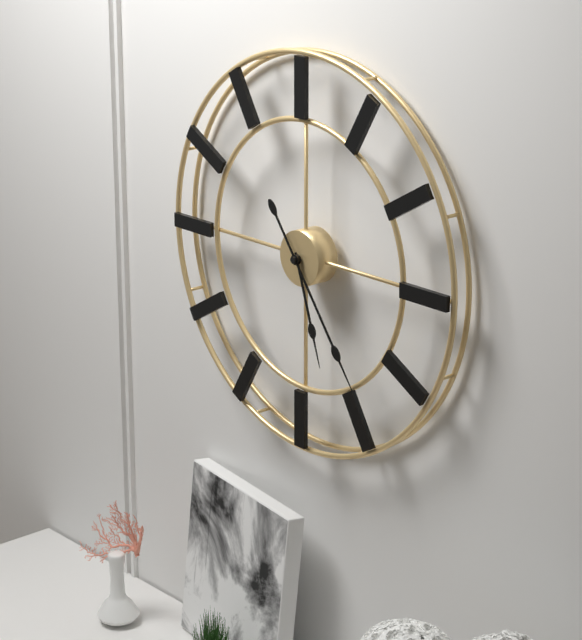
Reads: 5:24
